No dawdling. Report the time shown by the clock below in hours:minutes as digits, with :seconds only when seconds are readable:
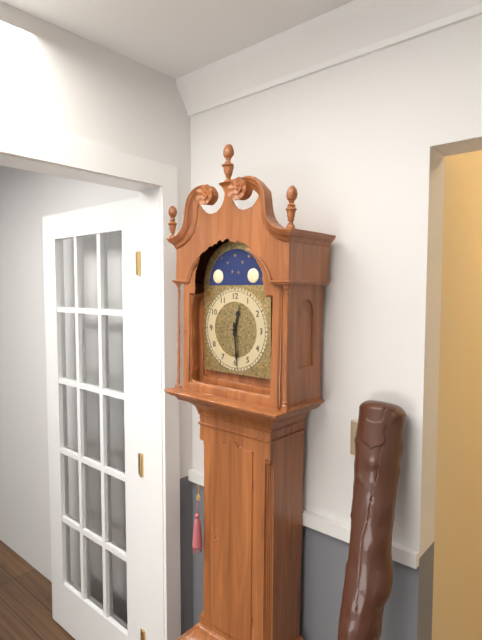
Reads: 12:29
